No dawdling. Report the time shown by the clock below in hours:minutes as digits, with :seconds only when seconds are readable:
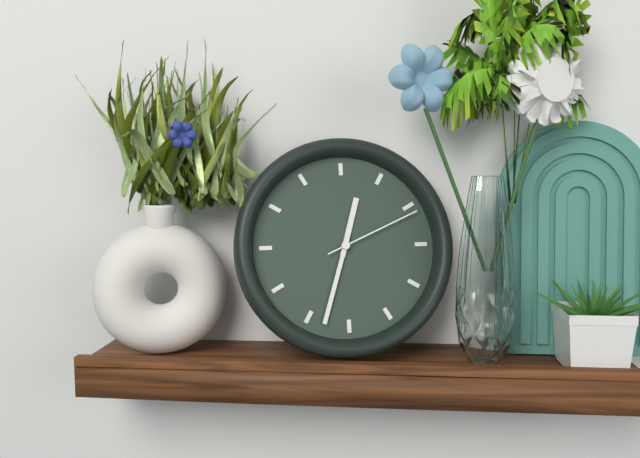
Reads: 12:33:11
